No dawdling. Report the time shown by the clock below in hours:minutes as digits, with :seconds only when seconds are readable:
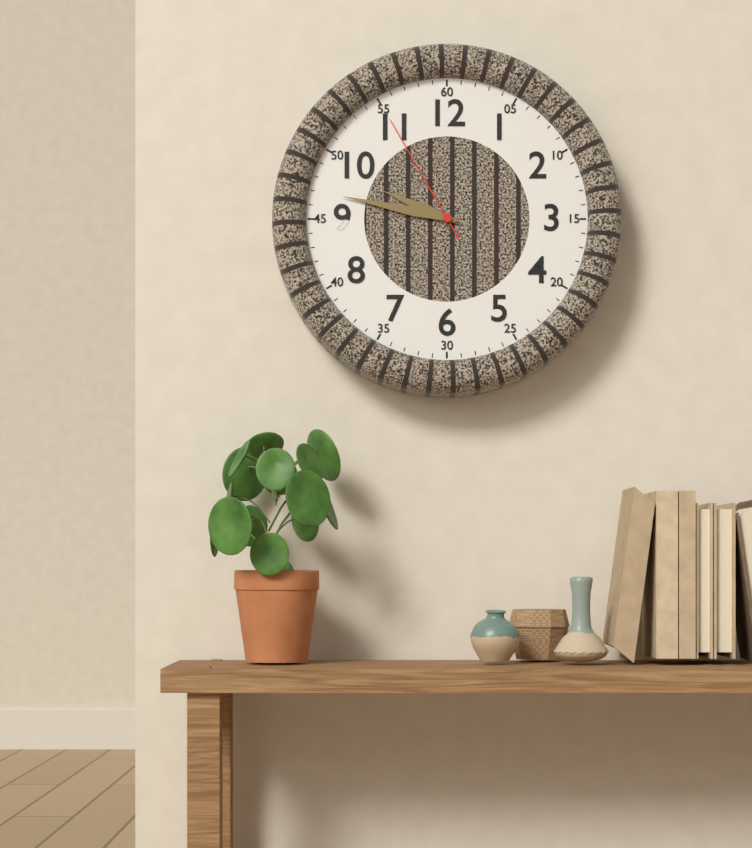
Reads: 9:47:55
